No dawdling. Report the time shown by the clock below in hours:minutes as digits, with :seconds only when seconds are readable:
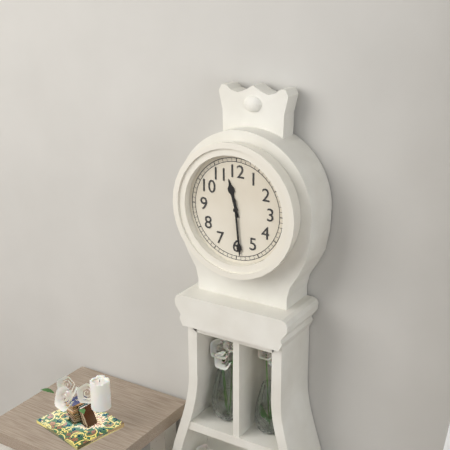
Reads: 11:29
